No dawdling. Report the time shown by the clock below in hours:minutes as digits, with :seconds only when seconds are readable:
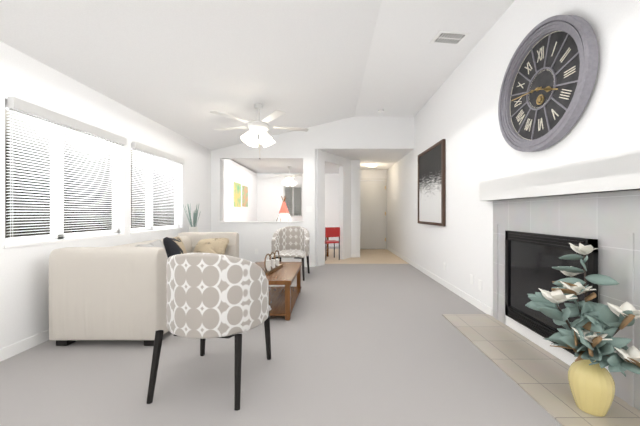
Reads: 3:46
